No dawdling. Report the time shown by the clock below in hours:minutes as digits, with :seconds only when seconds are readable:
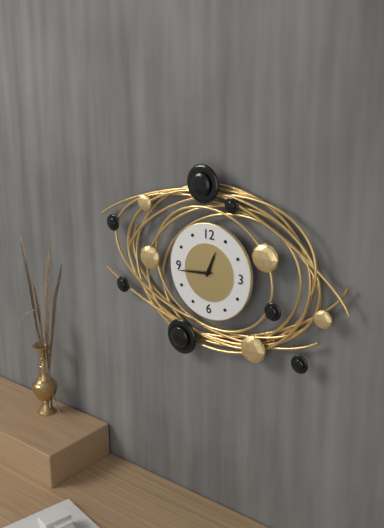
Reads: 12:44
